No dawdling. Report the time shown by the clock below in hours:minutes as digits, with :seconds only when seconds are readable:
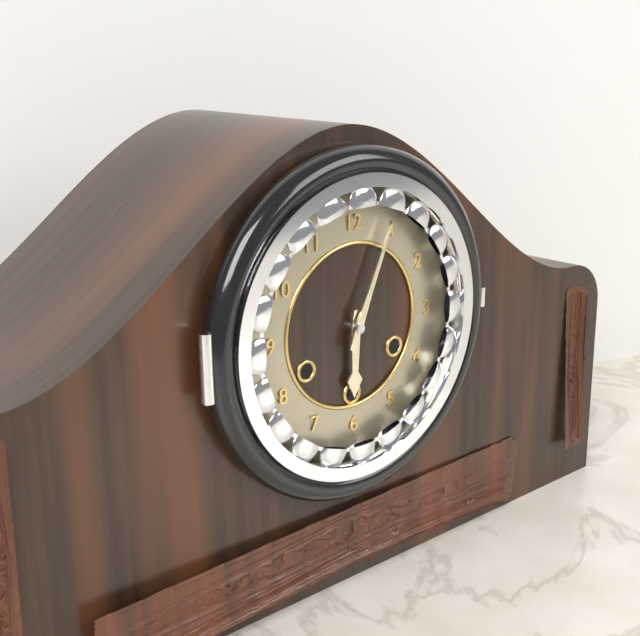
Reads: 6:04
